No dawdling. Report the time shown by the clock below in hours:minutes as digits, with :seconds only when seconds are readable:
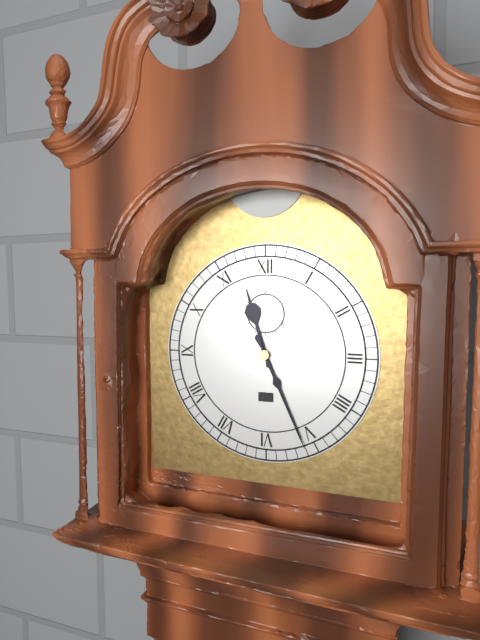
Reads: 11:26
